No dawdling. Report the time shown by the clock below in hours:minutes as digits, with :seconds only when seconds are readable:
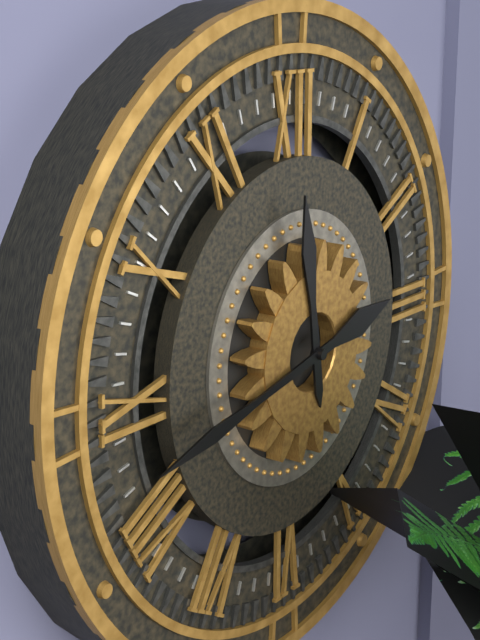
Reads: 11:43
